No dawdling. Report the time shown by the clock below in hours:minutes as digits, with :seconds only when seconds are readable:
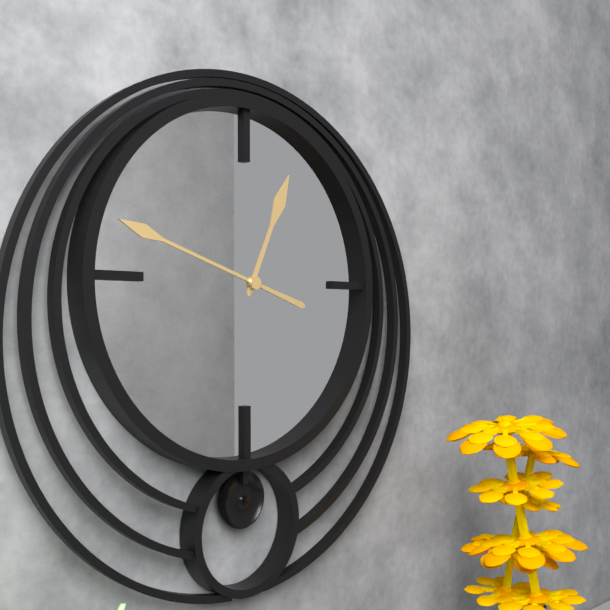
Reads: 12:48
